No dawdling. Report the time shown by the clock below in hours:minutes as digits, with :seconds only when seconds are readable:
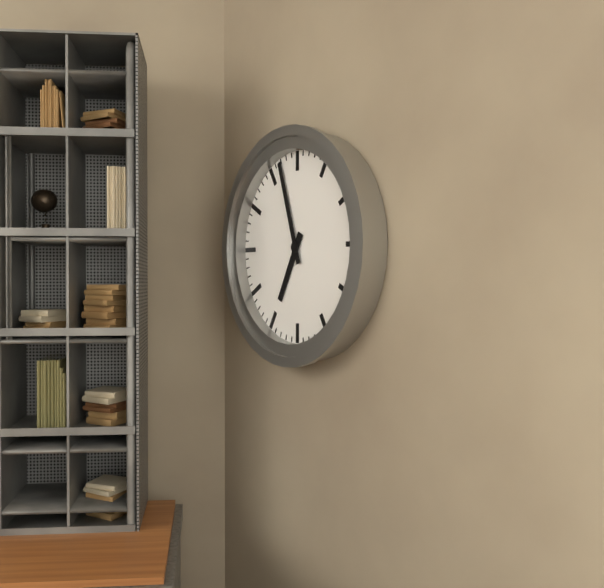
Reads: 6:57
